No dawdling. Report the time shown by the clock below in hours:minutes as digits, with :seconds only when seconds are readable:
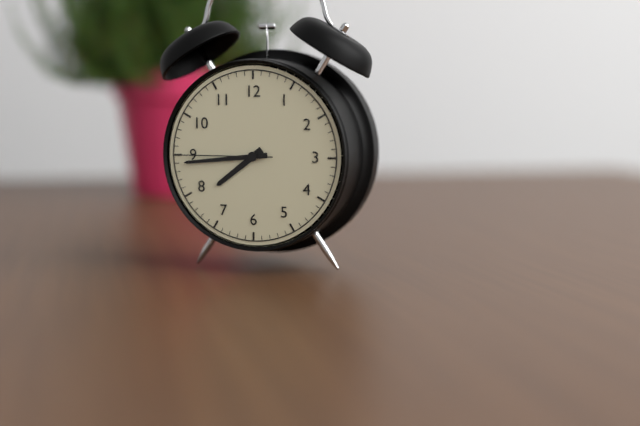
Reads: 7:44:45
